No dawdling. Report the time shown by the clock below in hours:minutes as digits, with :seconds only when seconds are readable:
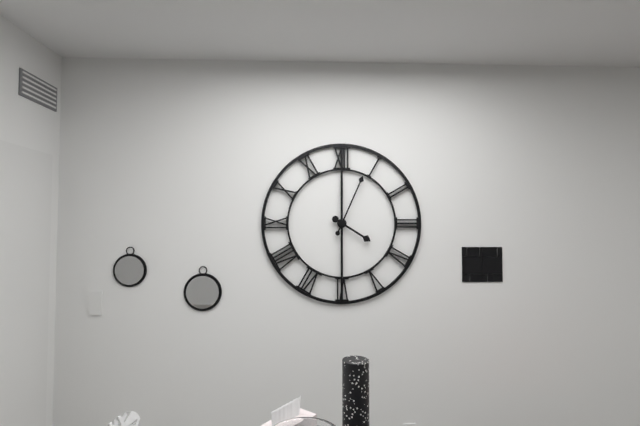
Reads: 4:04
